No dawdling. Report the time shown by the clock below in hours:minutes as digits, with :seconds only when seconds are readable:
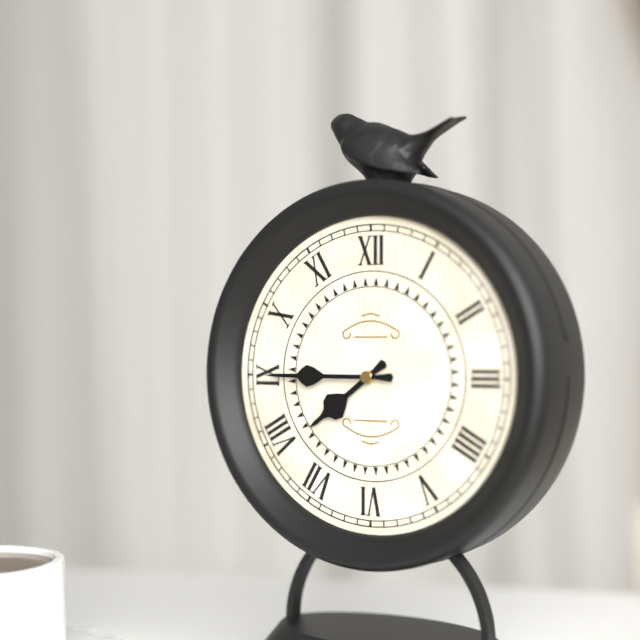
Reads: 7:45
